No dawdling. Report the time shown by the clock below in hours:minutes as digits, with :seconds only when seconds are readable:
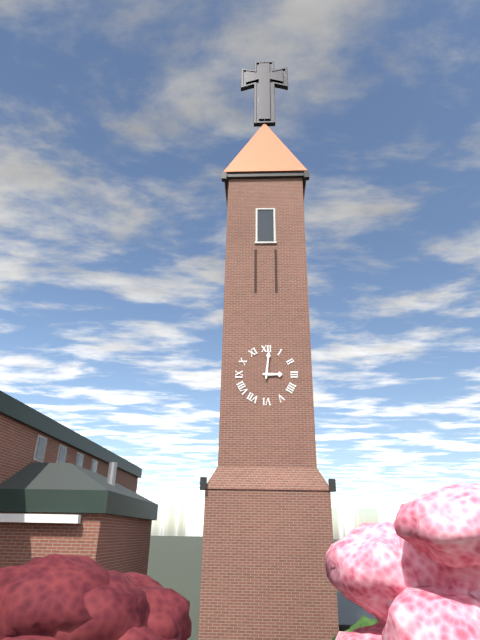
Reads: 3:01
